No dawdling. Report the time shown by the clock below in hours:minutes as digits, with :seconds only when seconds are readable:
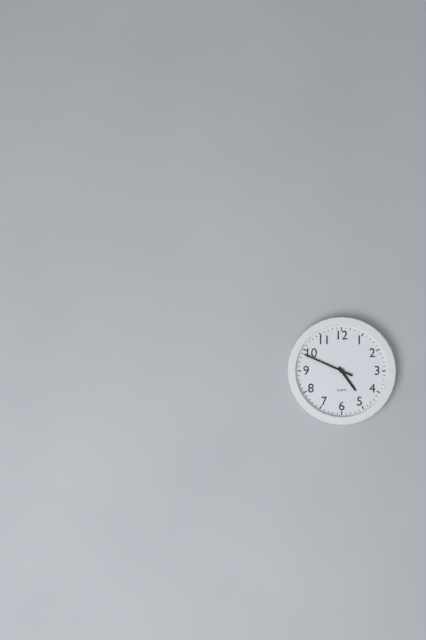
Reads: 4:49
